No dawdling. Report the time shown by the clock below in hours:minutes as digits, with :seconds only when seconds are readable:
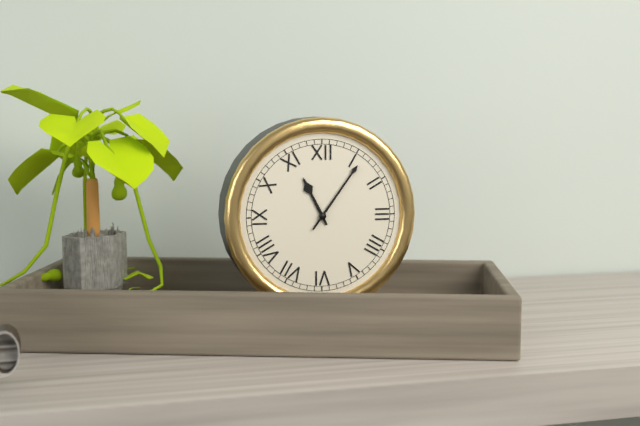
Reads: 11:06
